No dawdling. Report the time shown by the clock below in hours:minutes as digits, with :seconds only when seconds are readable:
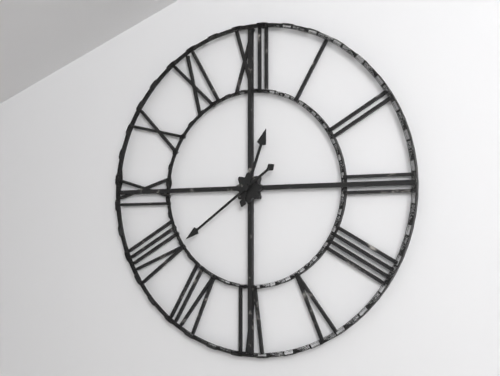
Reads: 12:39
